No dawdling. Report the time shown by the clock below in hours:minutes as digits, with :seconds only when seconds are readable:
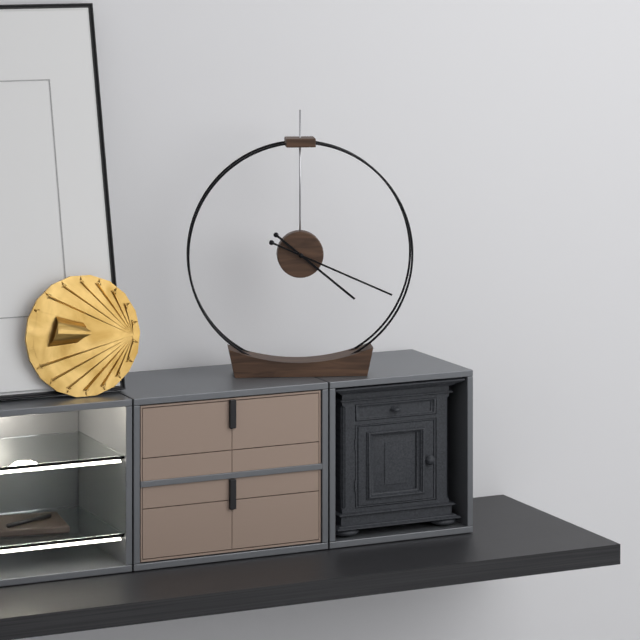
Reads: 4:19
